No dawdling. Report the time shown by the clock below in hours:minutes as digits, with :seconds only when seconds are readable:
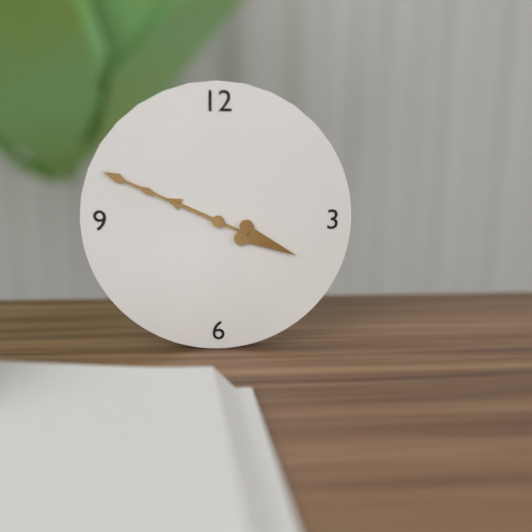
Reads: 9:49
